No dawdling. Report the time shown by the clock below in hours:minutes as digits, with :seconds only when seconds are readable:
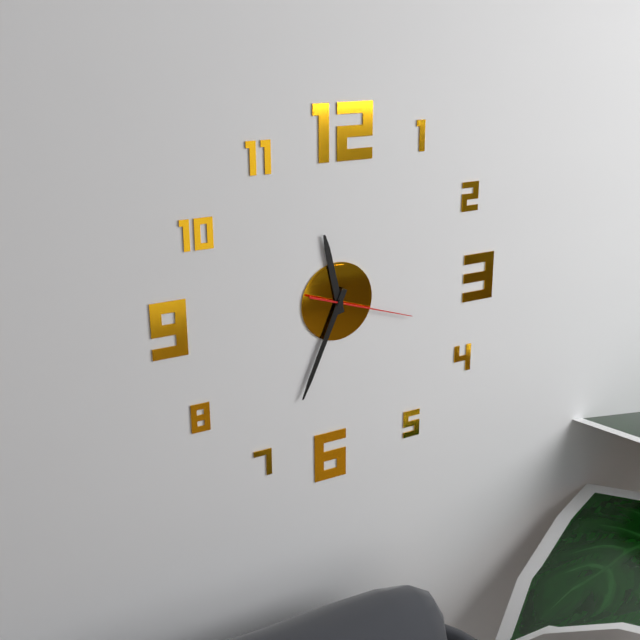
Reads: 11:34:18
